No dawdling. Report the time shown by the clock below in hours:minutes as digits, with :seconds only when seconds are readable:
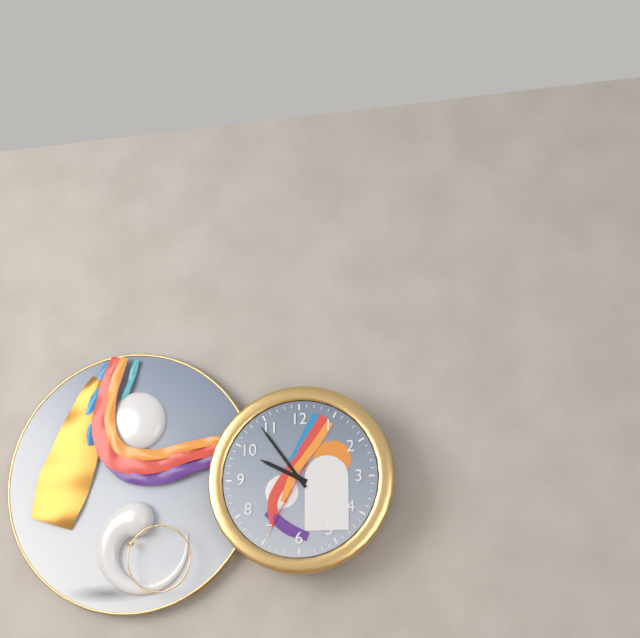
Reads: 9:54:35
